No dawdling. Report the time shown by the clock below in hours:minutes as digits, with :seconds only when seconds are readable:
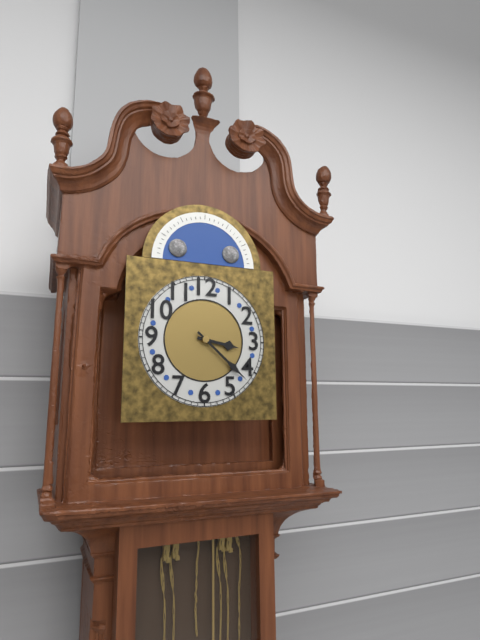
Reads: 3:22
